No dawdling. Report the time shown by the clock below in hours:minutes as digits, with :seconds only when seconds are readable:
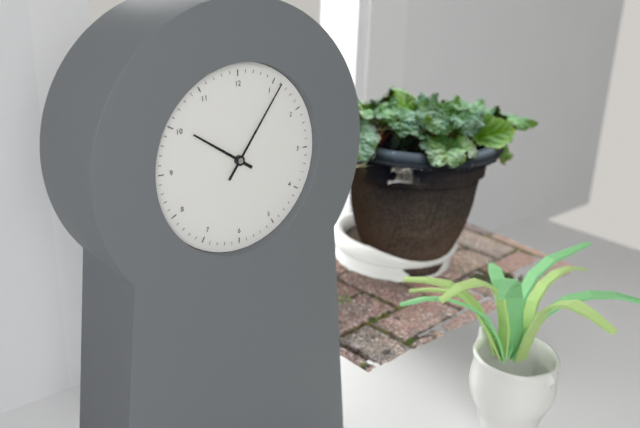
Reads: 10:06
